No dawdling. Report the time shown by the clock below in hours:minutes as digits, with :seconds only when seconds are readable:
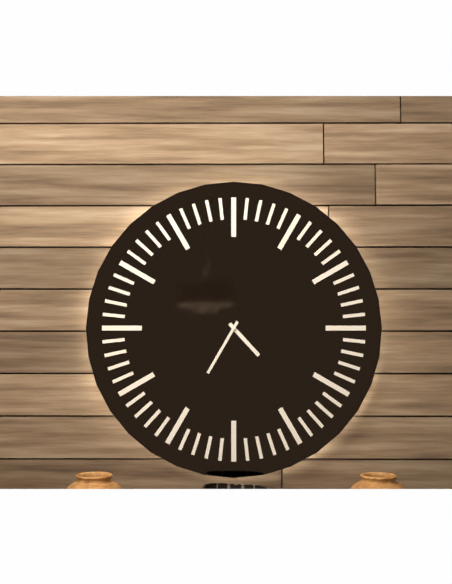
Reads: 4:35
